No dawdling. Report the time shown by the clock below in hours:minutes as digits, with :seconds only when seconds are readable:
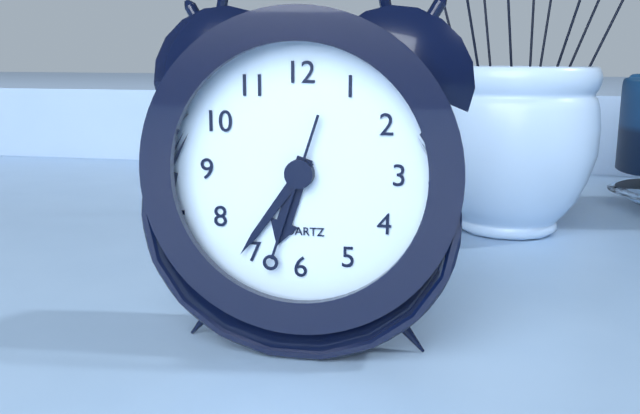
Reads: 6:36:33
